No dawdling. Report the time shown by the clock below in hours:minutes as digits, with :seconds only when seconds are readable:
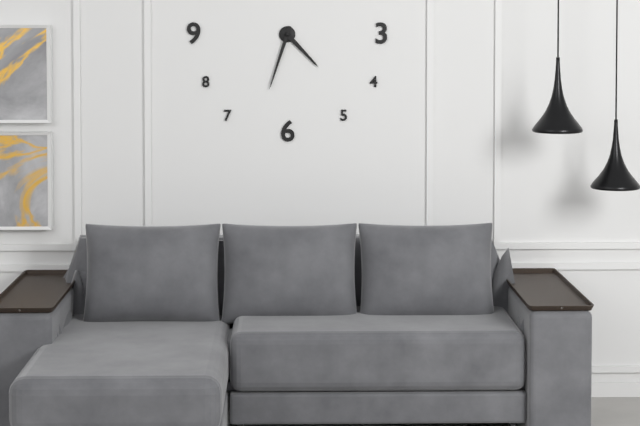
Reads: 4:33
